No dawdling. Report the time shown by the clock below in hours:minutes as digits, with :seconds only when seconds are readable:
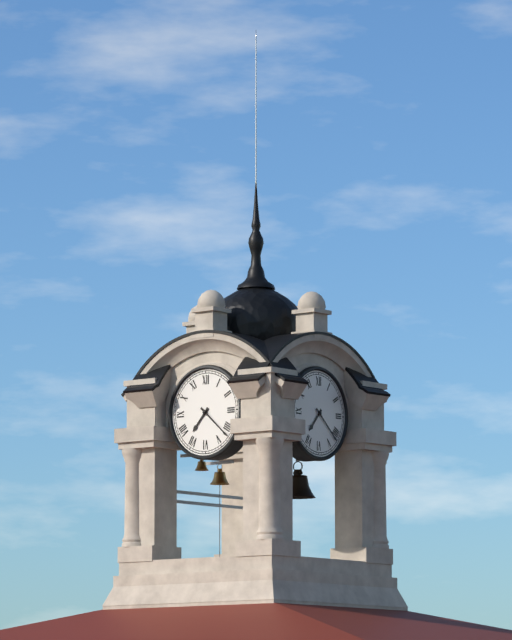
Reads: 7:22
